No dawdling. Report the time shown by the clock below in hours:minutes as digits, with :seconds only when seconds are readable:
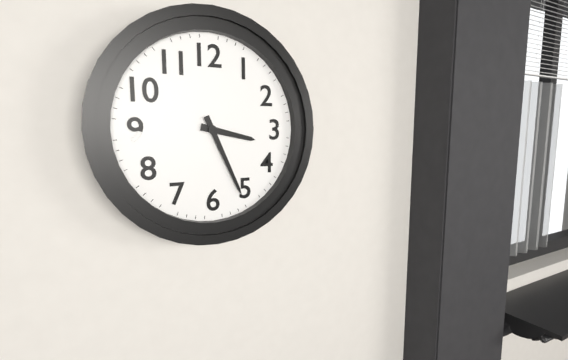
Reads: 3:26
